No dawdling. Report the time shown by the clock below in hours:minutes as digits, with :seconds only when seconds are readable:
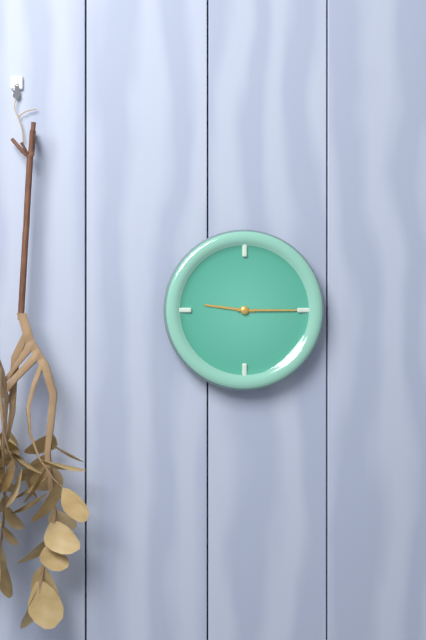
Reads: 9:15
